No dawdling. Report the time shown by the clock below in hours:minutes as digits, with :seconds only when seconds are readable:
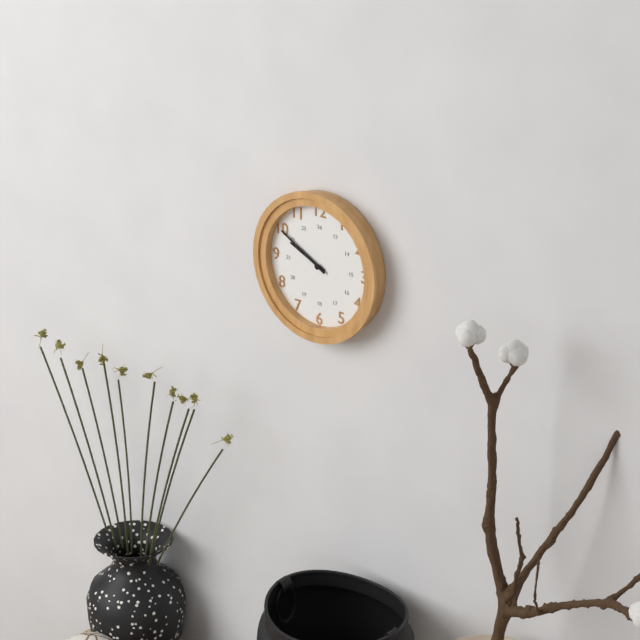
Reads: 9:50
